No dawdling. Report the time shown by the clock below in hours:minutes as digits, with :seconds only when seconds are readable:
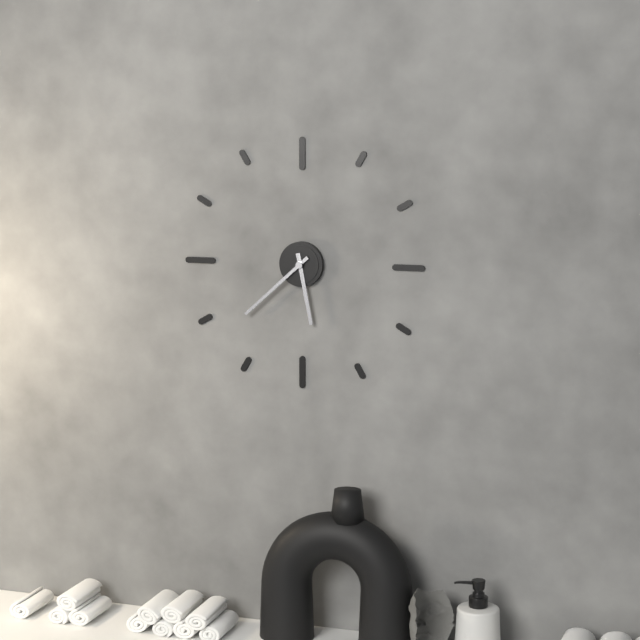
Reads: 5:38
